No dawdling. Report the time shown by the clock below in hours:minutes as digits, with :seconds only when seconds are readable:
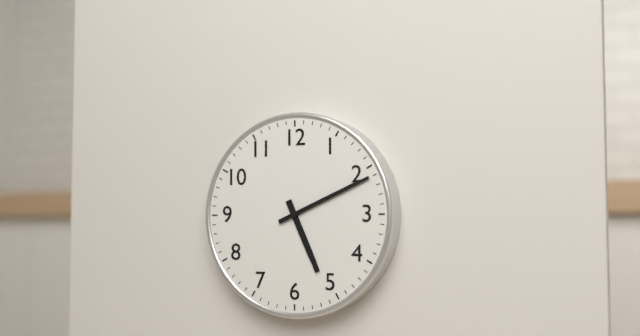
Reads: 5:11
